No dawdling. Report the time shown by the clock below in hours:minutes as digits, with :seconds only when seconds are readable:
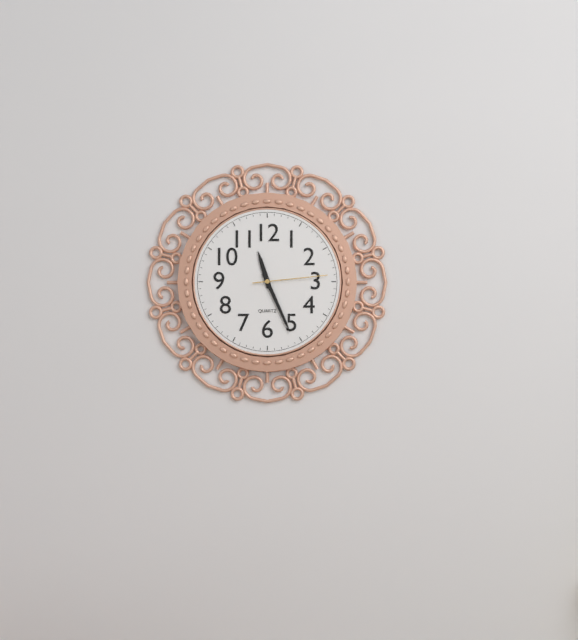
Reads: 11:26:14
